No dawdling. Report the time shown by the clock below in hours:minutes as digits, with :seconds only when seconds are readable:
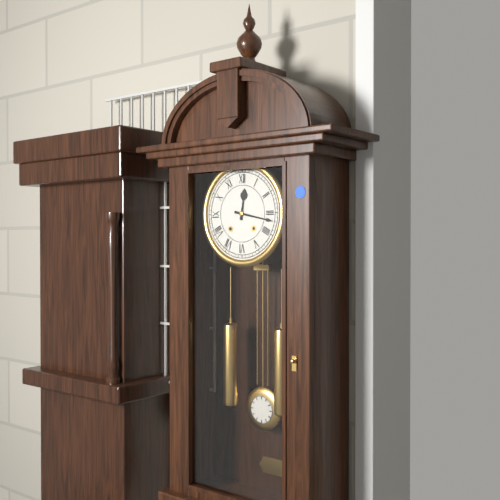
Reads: 12:17
